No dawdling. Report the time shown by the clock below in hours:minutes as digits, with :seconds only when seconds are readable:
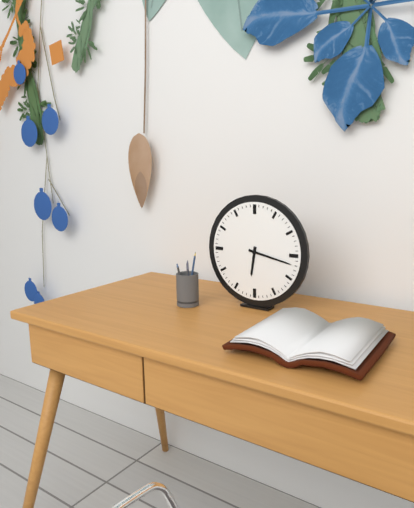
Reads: 6:17
